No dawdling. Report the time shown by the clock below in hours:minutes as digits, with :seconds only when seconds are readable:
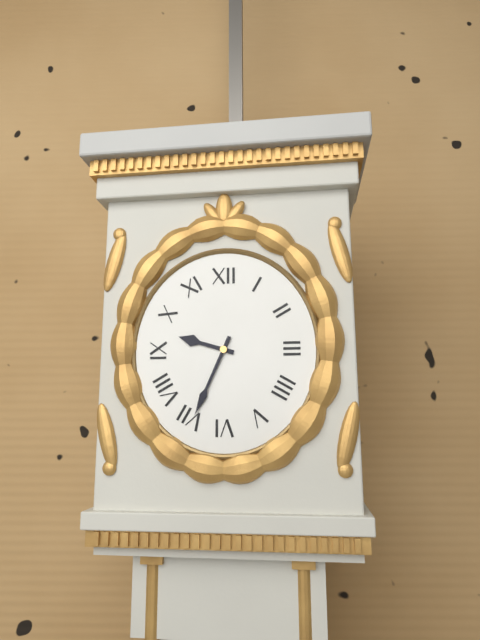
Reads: 9:34
